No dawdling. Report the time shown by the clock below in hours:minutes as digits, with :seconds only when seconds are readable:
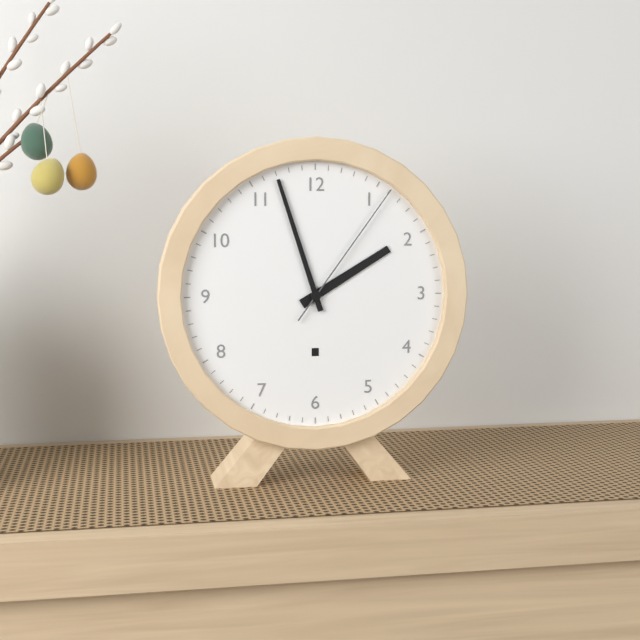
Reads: 1:57:06
